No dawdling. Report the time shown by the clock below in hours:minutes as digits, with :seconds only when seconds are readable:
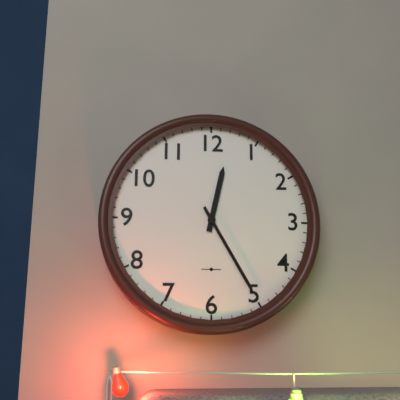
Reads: 12:25
